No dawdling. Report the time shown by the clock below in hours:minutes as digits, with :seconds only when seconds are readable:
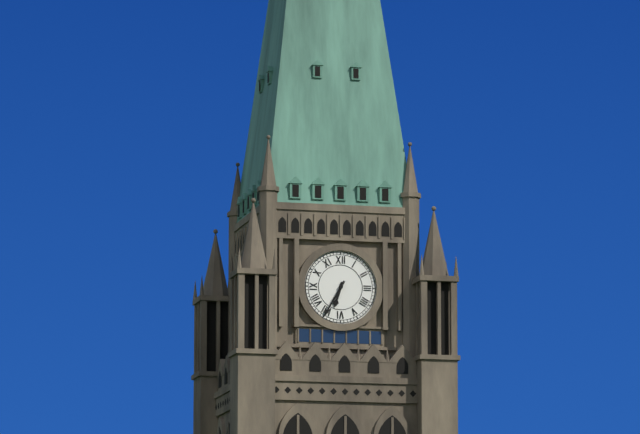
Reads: 6:35
